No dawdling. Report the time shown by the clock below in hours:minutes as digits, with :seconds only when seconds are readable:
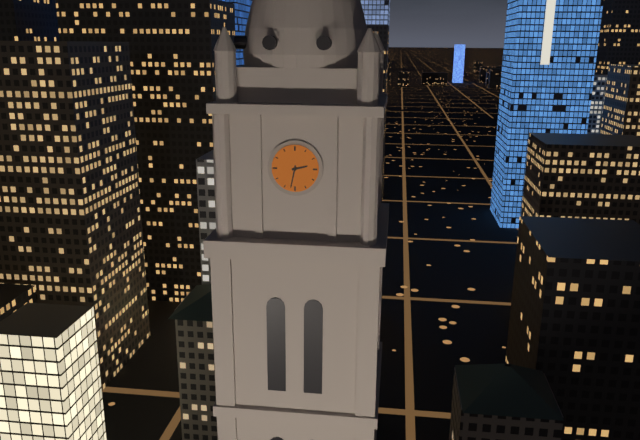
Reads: 2:32
